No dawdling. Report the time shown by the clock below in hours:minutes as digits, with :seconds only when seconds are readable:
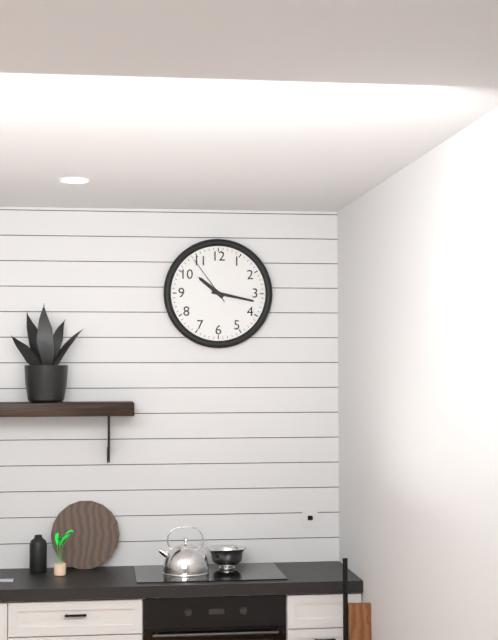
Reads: 10:17:54
